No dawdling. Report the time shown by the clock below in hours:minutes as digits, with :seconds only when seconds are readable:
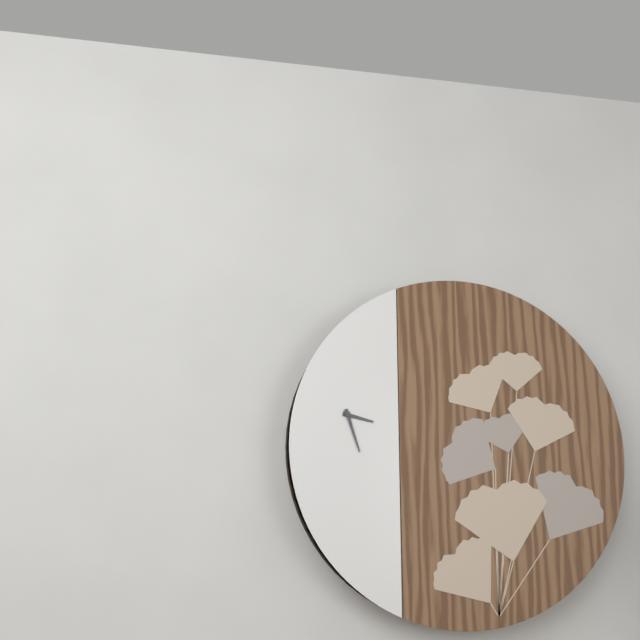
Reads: 3:27
